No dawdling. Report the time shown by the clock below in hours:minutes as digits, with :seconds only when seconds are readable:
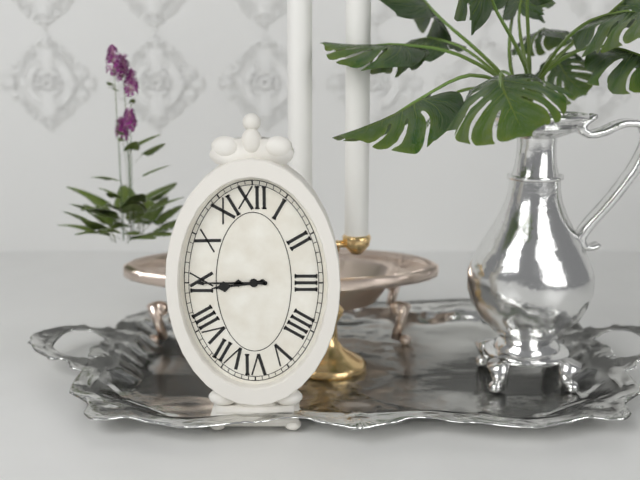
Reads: 8:45
